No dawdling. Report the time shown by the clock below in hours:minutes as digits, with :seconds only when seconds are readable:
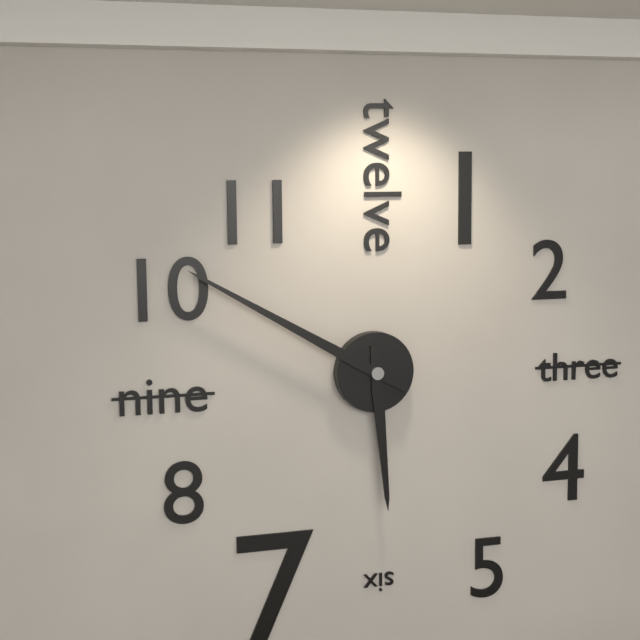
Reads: 5:50
